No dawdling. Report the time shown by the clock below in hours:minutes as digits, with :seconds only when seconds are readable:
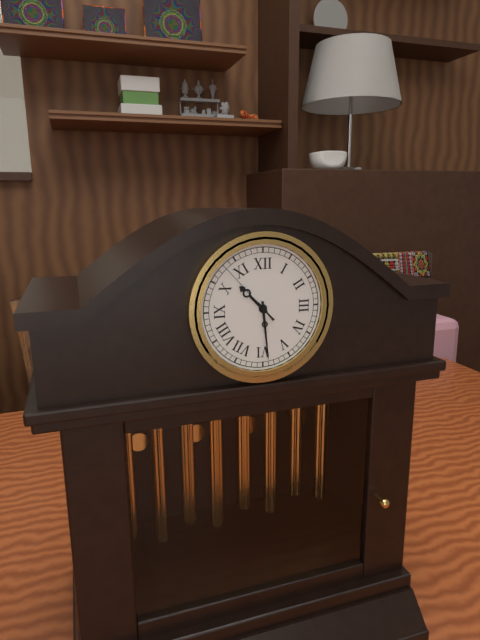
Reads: 10:29:53
